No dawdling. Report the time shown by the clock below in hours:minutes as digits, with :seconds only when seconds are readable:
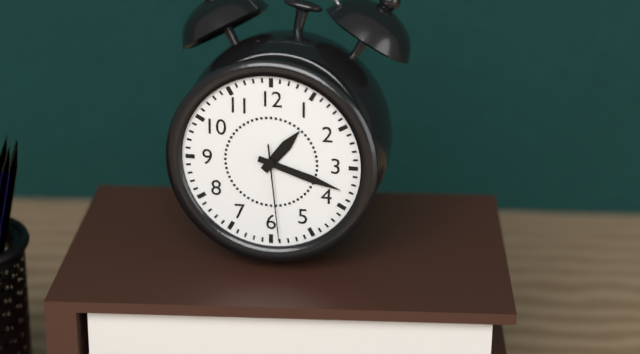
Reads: 1:18:29
